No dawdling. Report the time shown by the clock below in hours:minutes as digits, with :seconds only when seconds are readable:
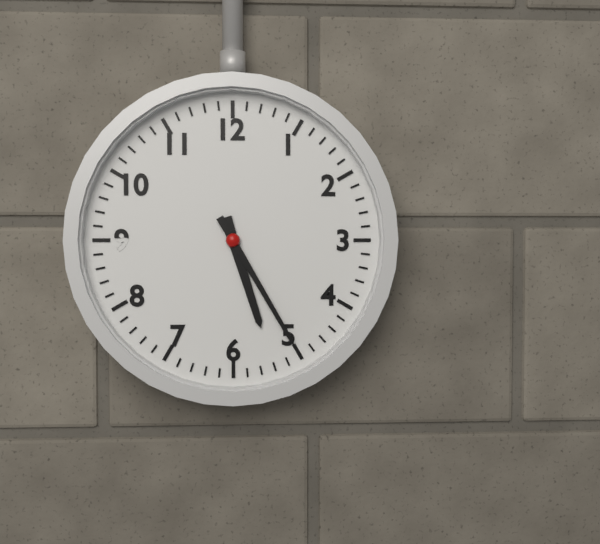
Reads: 5:25
